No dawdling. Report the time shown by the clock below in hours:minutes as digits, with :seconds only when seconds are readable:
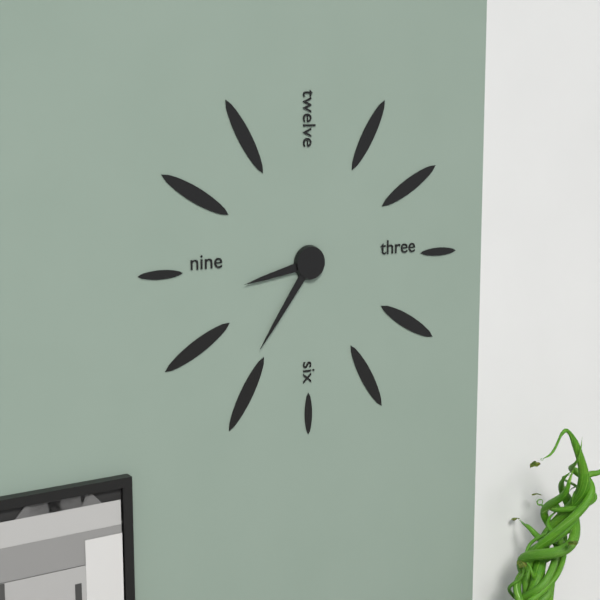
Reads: 8:36
